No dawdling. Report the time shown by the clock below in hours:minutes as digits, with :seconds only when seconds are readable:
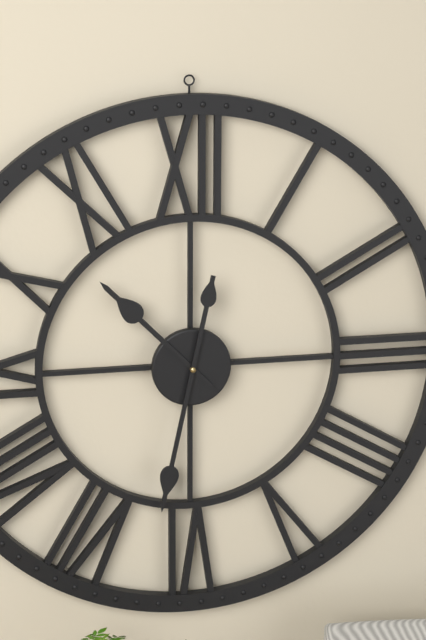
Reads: 10:32
